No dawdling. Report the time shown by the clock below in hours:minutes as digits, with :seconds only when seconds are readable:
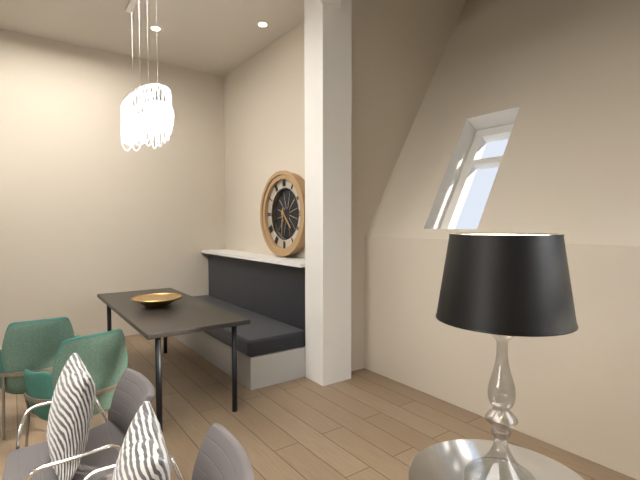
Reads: 4:31
